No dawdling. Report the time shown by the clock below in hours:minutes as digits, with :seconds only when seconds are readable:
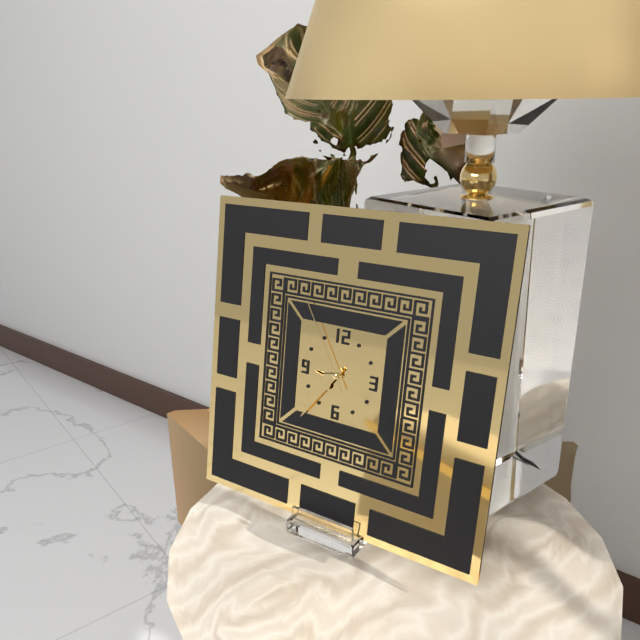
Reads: 8:36:55
